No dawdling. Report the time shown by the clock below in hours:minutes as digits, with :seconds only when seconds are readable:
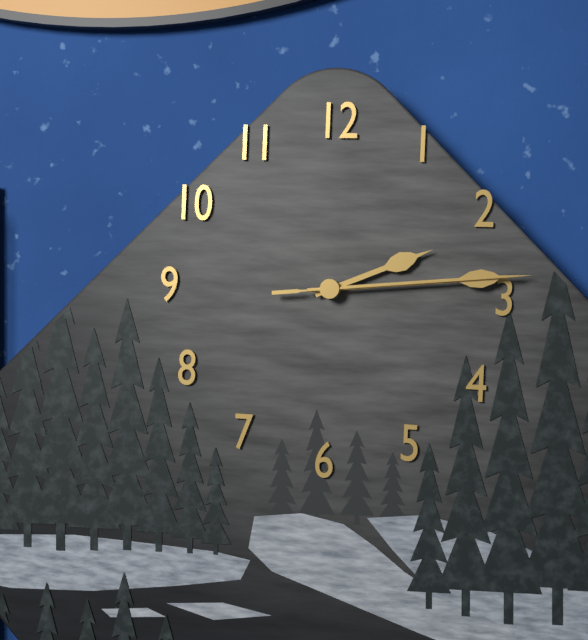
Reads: 2:14:14
